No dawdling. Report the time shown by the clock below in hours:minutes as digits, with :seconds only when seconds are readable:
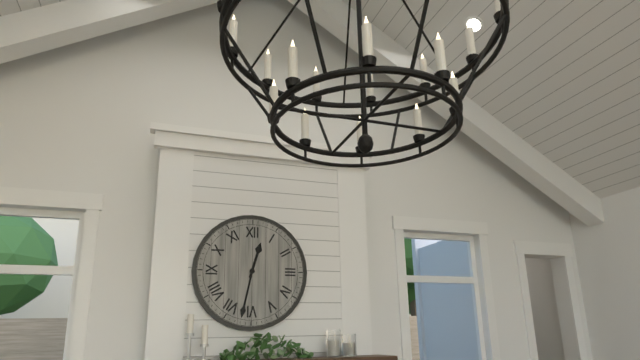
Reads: 12:32
